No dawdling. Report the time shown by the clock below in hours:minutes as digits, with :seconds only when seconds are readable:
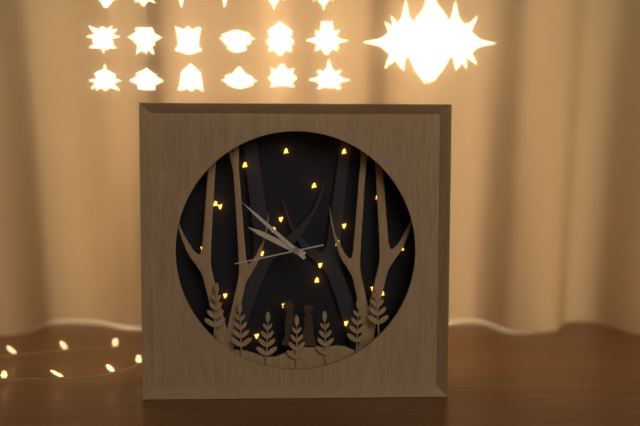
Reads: 9:52:43
